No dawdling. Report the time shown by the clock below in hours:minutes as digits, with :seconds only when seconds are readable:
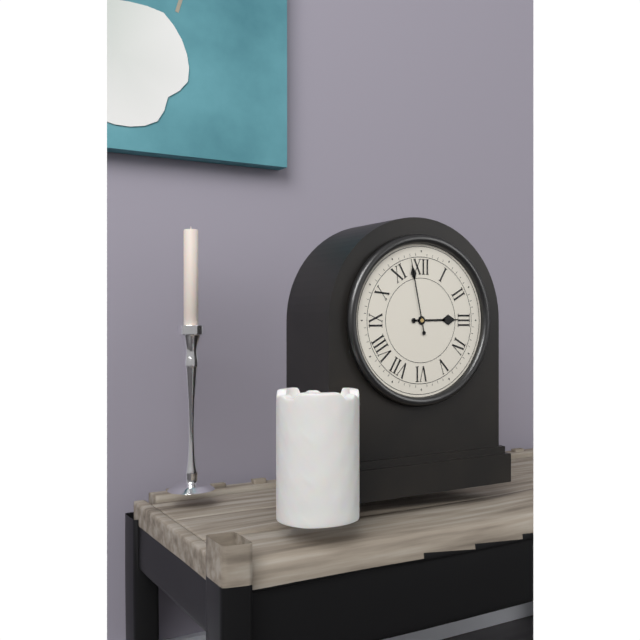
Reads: 2:58
